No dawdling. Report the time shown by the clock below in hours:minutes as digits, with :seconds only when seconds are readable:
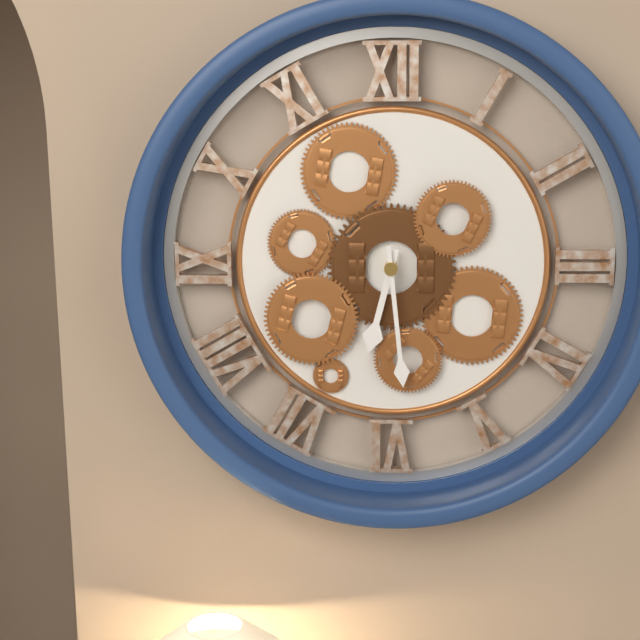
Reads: 6:29
